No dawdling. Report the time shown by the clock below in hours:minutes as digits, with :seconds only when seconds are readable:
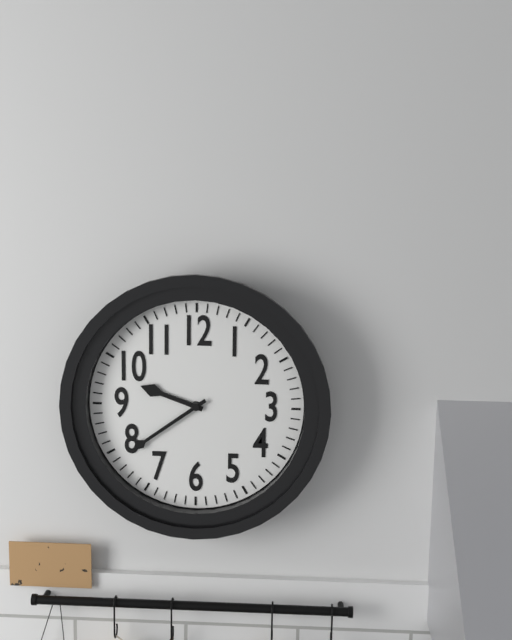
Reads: 9:39
